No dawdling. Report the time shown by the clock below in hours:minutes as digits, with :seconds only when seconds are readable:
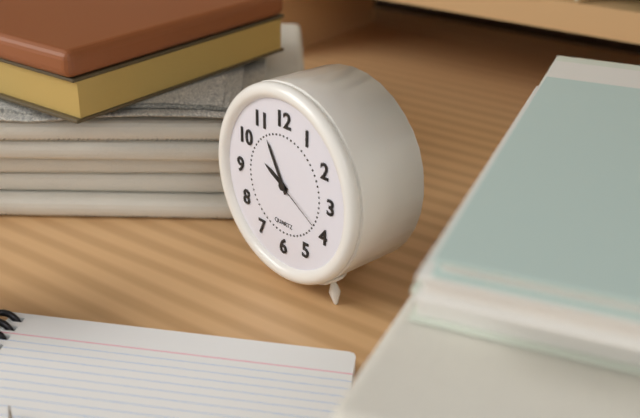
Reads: 9:55:20
